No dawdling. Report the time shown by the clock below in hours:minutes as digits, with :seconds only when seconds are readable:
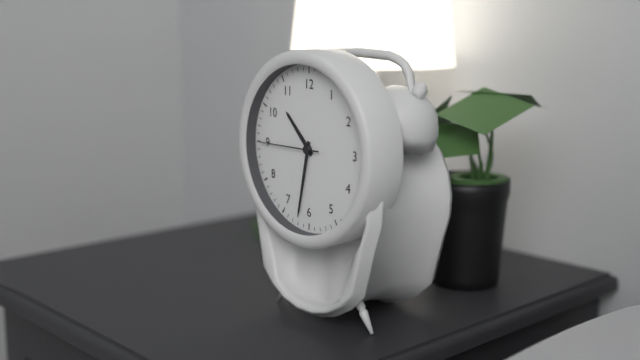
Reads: 10:32:45
